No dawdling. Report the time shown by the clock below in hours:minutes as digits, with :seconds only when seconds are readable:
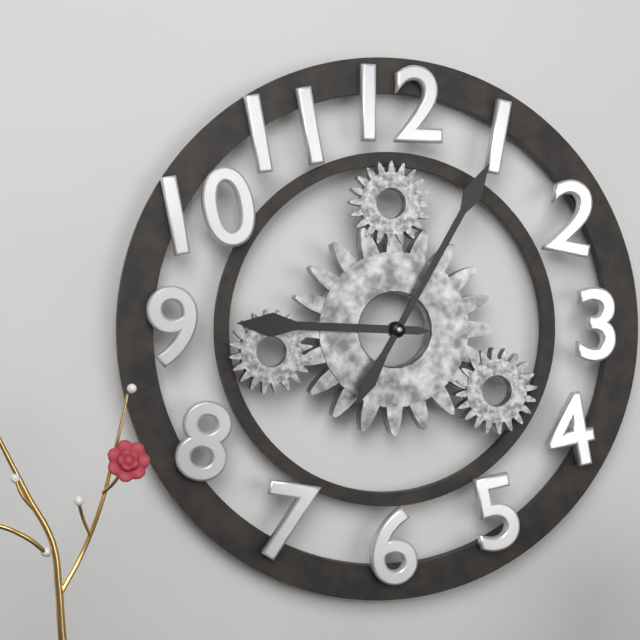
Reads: 9:05
